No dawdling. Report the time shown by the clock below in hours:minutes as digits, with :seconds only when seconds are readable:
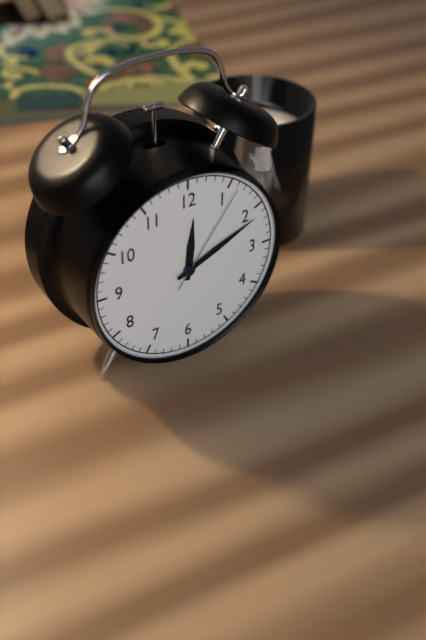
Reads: 12:11:06
